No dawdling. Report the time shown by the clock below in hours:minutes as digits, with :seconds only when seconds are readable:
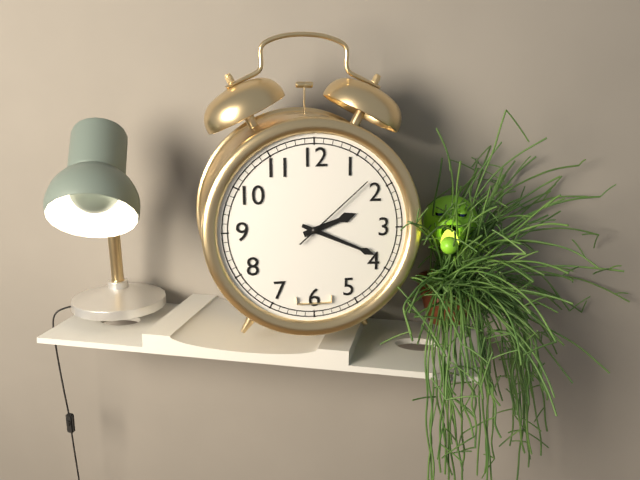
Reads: 2:19:08
